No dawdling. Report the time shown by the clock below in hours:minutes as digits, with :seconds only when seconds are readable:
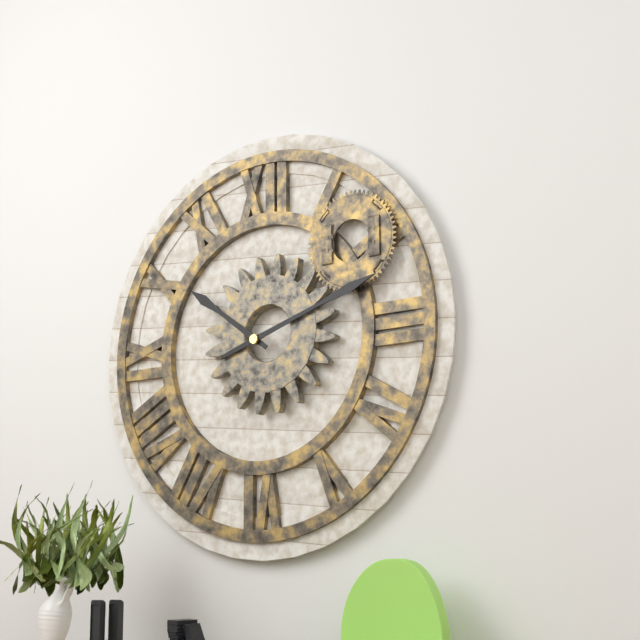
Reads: 10:12
